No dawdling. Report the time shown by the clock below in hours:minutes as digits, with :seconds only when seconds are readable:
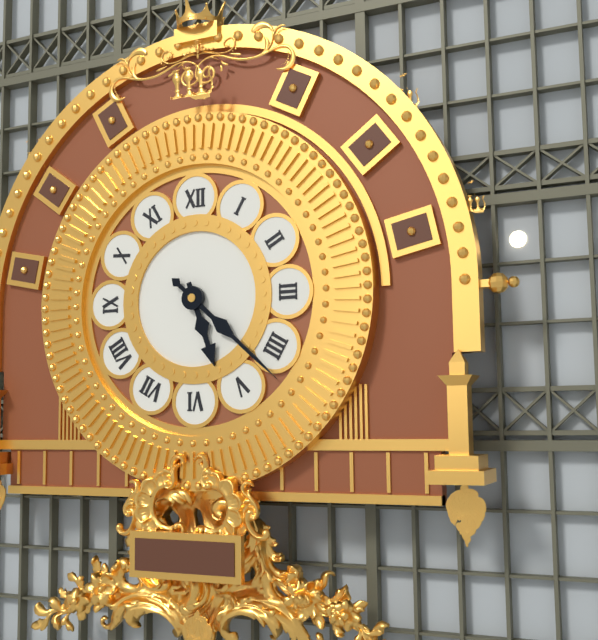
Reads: 5:22
